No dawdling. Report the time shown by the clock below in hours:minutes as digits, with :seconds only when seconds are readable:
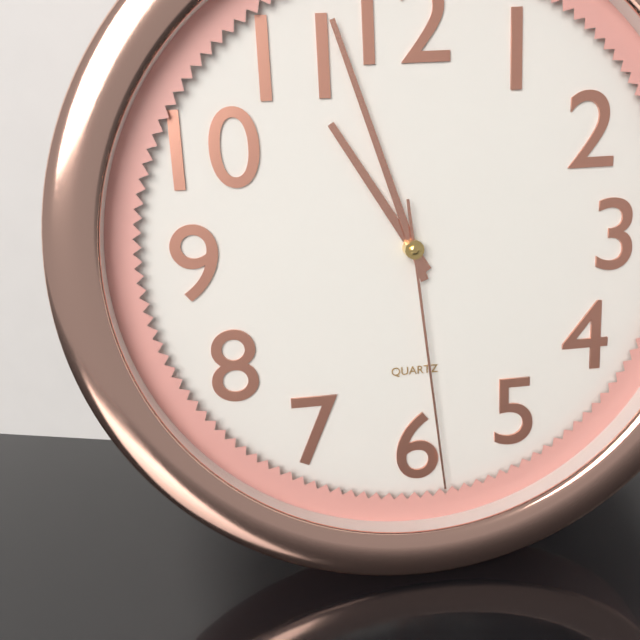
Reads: 10:57:29
